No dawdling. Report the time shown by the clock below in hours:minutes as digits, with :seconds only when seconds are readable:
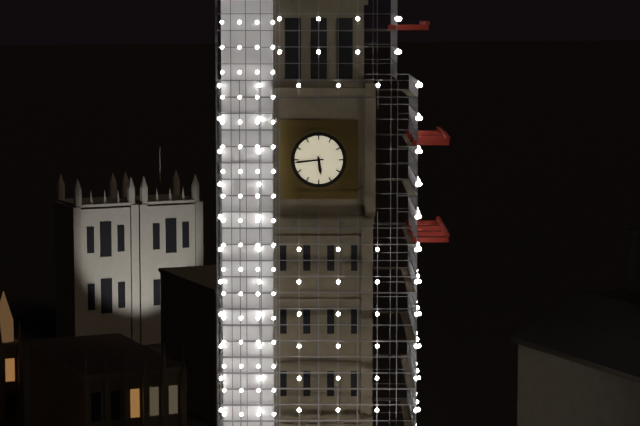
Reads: 5:44
